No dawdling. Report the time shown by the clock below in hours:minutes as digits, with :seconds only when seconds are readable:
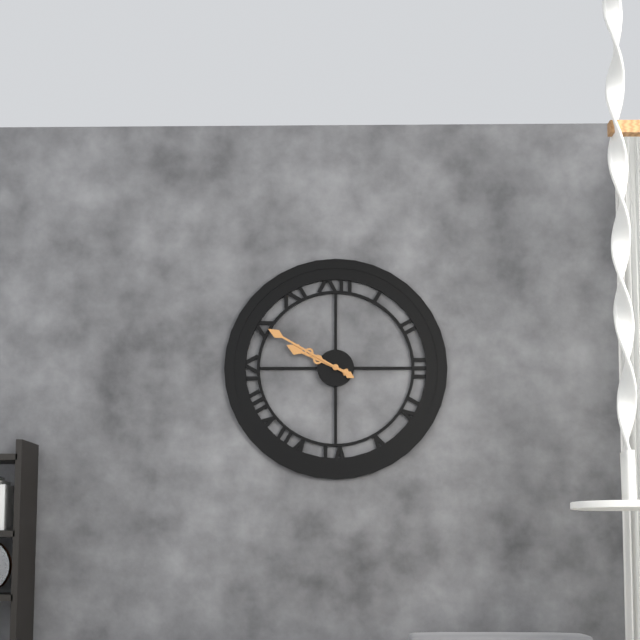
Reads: 9:50
